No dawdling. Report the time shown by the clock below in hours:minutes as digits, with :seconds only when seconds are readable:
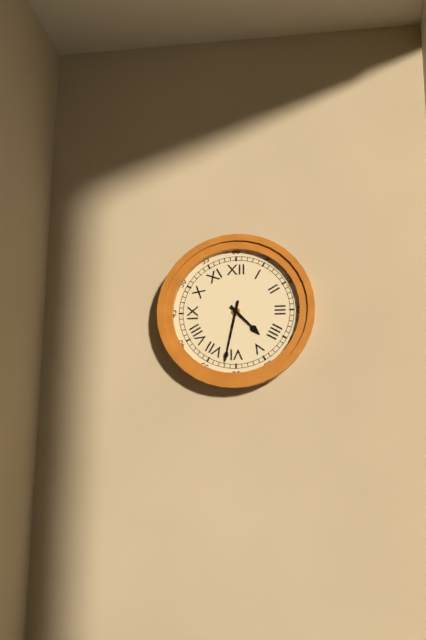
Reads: 4:32
